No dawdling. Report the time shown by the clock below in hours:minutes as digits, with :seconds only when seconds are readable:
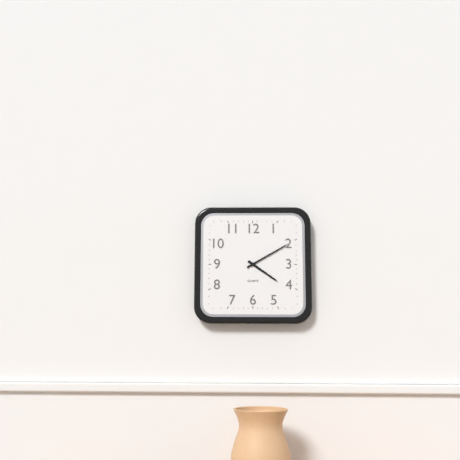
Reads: 4:10
